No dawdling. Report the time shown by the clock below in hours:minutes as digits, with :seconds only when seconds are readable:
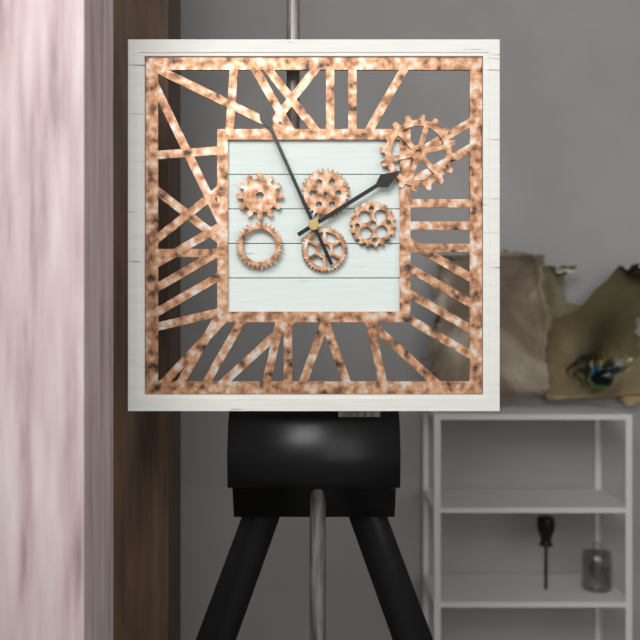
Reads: 1:56
